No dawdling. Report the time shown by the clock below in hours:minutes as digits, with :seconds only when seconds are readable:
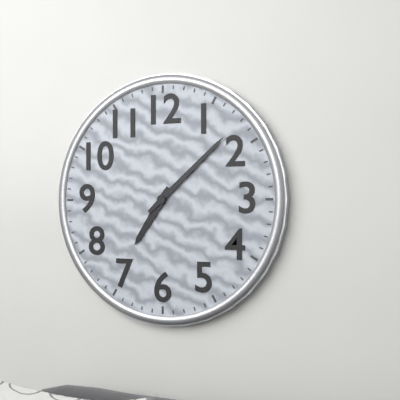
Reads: 7:08
